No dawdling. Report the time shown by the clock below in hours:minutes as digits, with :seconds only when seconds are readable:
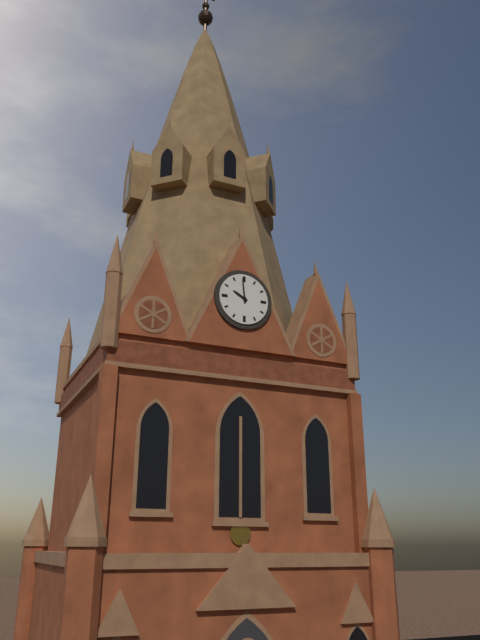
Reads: 9:59
